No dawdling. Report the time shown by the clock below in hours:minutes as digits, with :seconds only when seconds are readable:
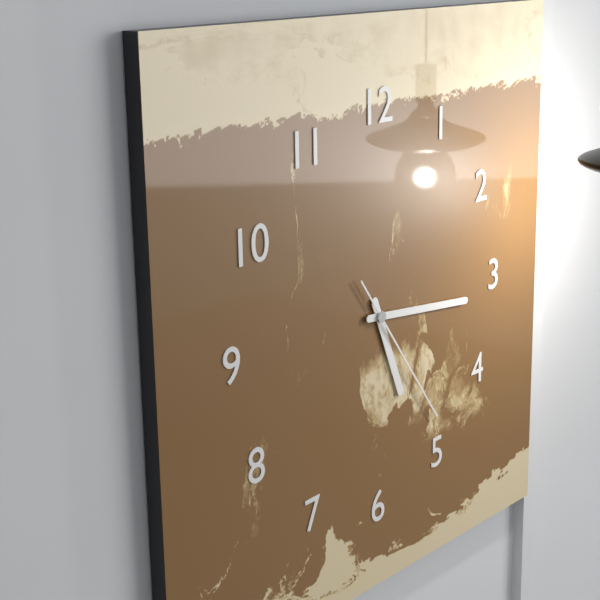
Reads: 5:16:24
